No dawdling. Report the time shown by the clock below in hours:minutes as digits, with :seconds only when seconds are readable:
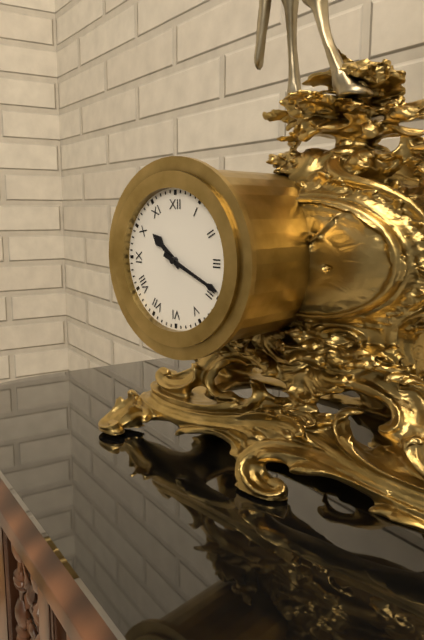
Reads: 10:19
